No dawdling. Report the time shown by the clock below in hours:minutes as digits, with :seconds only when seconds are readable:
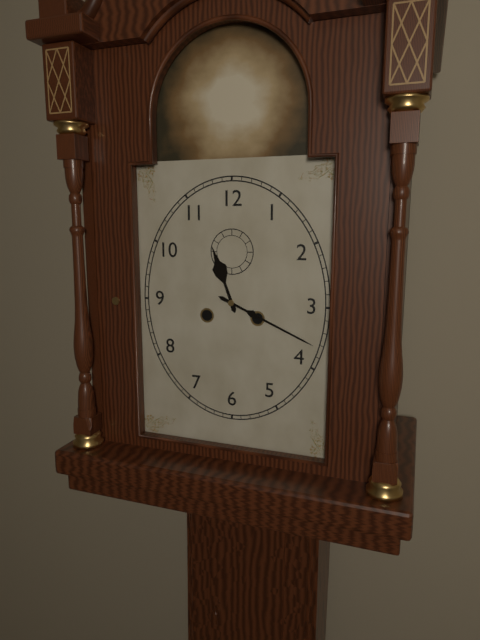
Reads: 11:19
